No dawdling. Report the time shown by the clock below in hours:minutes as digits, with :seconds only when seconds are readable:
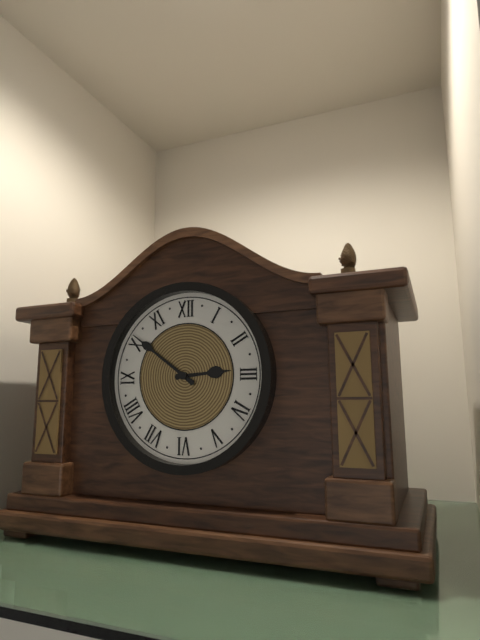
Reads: 2:51
